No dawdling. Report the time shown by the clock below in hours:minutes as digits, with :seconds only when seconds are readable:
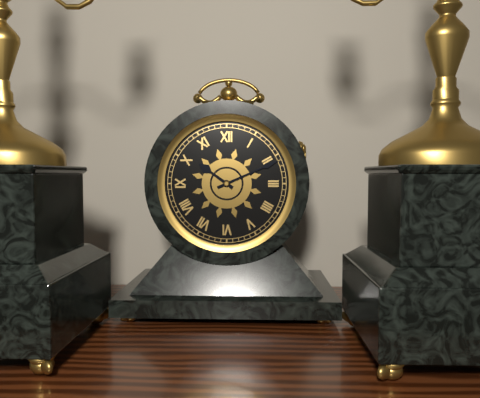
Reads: 10:11
